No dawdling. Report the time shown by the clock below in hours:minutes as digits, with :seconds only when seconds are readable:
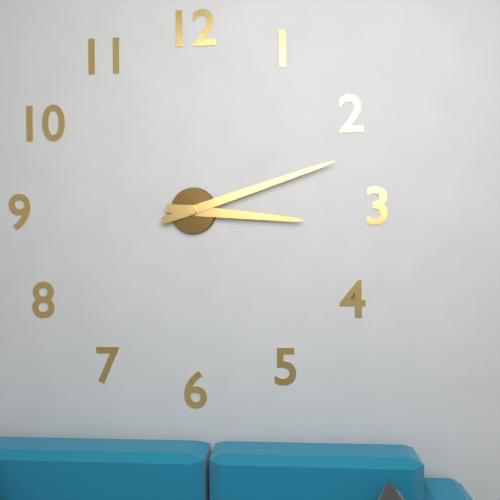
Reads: 3:12
